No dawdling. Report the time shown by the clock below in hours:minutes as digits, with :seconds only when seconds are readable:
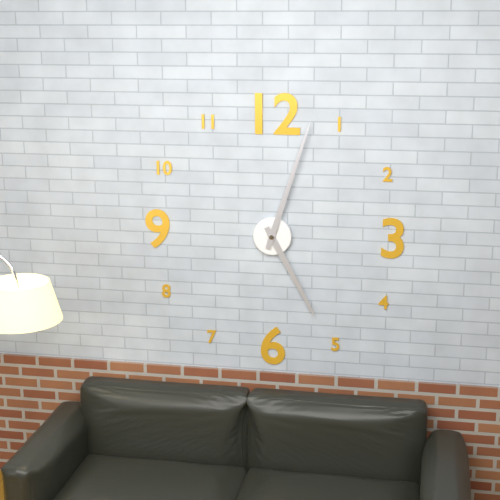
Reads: 5:03
